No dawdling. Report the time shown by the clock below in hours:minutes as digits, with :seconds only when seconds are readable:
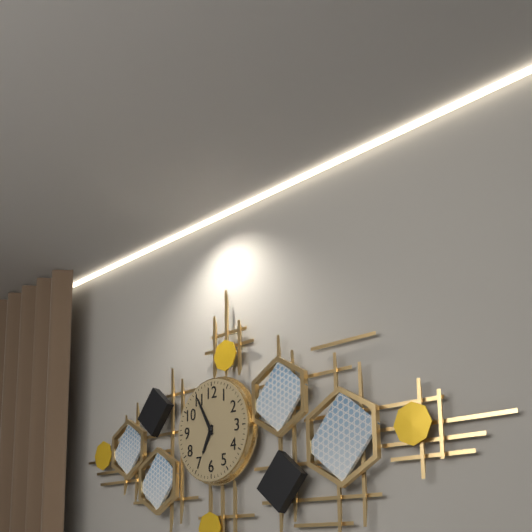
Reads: 6:55
